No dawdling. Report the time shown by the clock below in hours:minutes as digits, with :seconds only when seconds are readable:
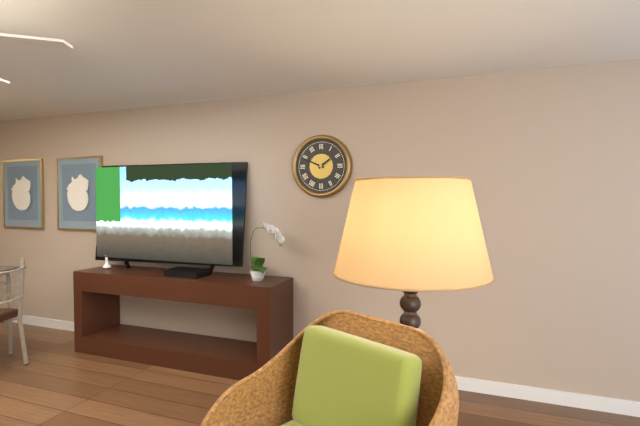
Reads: 1:49
